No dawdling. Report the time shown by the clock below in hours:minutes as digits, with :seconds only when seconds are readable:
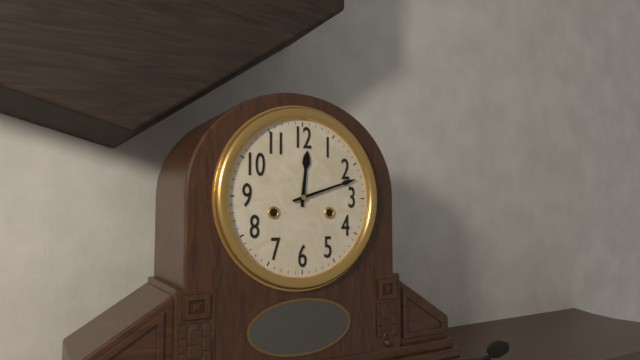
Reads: 12:12
